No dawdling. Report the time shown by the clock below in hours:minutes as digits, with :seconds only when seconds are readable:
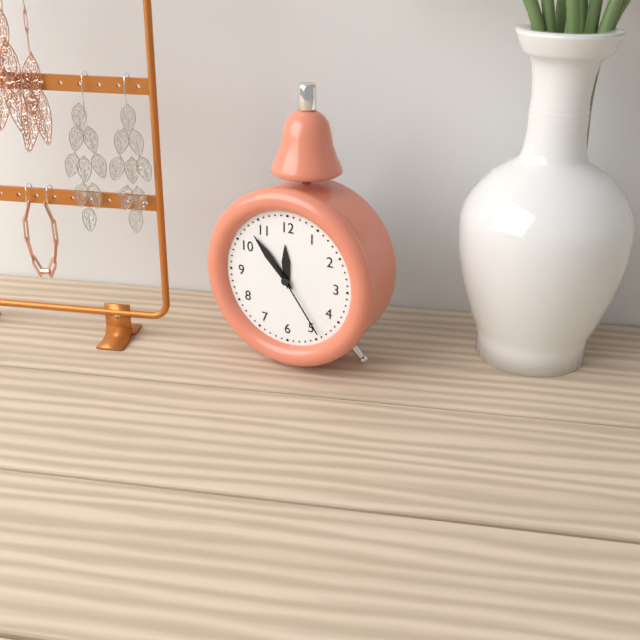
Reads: 11:53:24
